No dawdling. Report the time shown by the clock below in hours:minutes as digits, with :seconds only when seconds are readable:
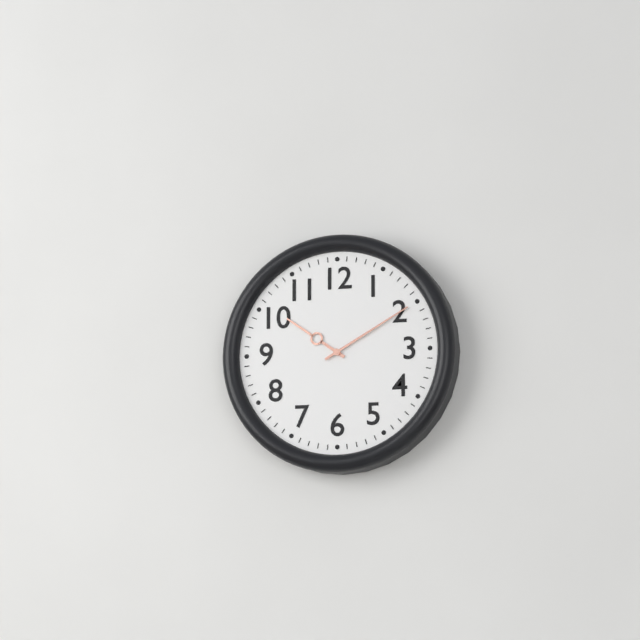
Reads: 10:10
